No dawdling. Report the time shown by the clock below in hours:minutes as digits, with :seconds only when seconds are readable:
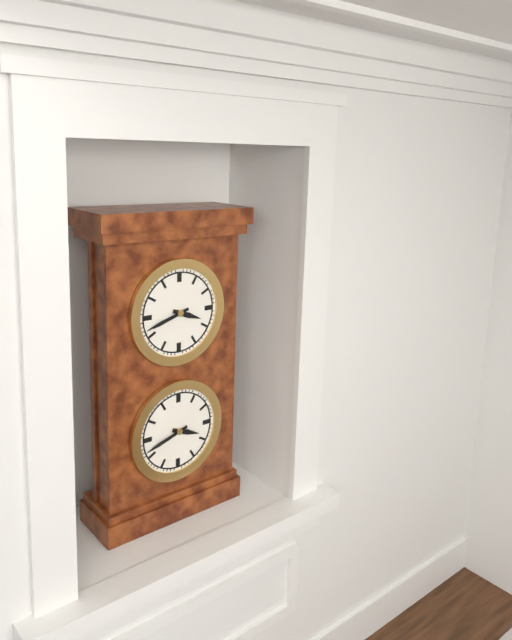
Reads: 3:42
